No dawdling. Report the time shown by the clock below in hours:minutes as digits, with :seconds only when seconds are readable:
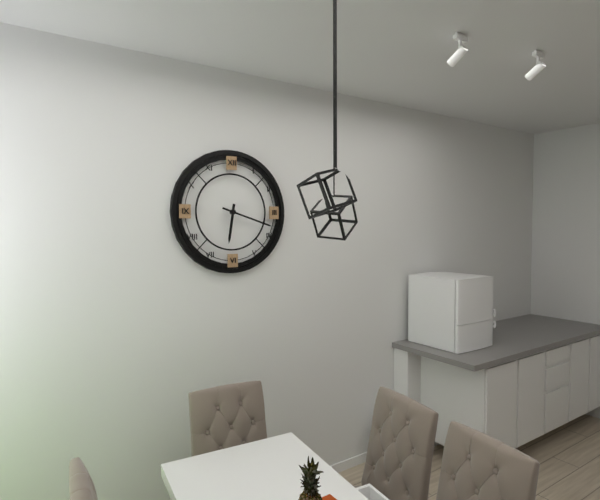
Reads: 6:18
